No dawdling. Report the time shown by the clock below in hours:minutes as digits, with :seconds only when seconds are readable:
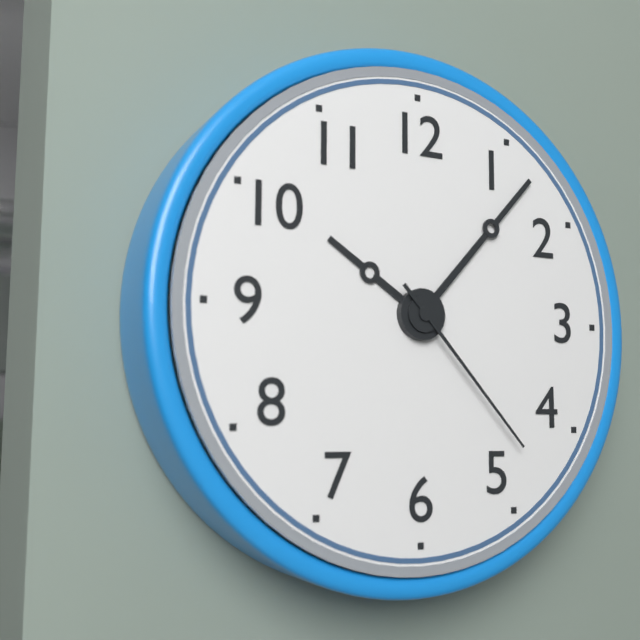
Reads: 10:07:23
